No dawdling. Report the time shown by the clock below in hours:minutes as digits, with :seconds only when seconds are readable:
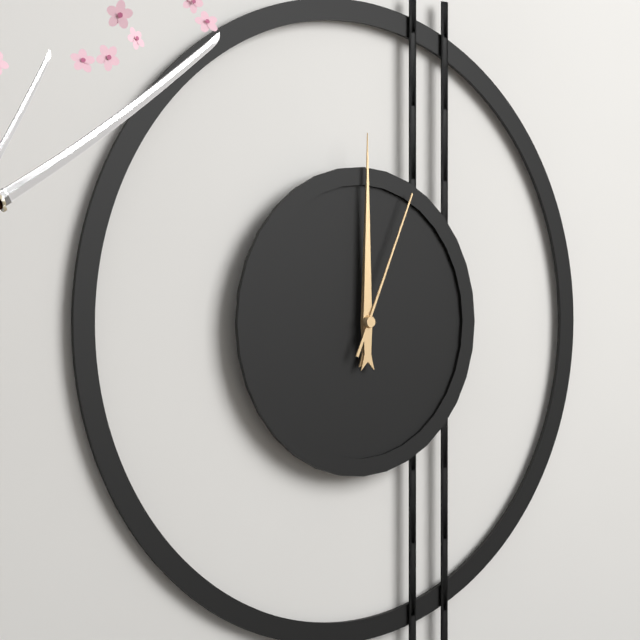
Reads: 12:00:04
